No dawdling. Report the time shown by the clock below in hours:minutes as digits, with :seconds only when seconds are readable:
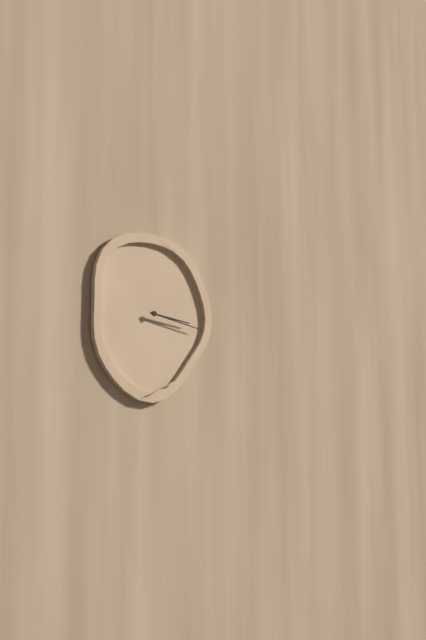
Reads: 3:17
